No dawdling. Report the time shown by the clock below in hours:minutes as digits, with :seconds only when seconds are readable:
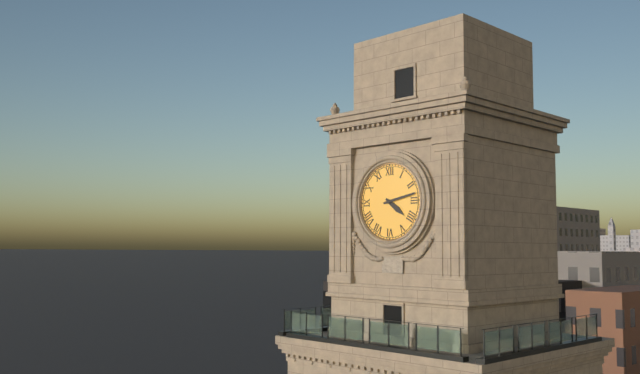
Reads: 4:13
